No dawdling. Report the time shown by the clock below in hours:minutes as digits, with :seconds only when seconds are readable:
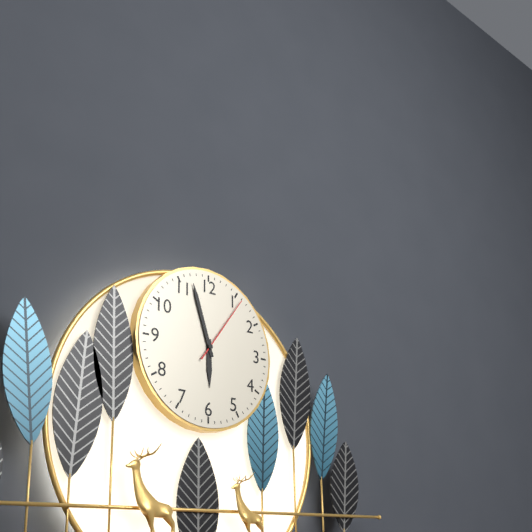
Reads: 5:57:06
